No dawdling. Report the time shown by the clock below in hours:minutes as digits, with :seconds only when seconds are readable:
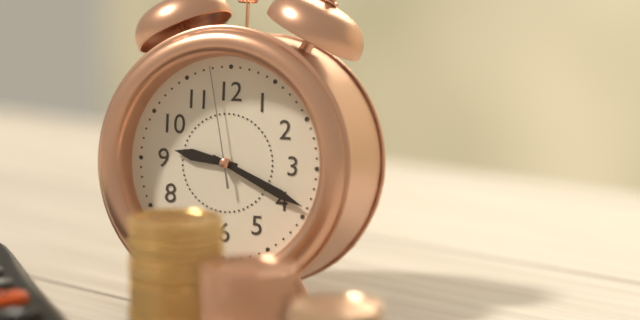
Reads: 9:19:58
